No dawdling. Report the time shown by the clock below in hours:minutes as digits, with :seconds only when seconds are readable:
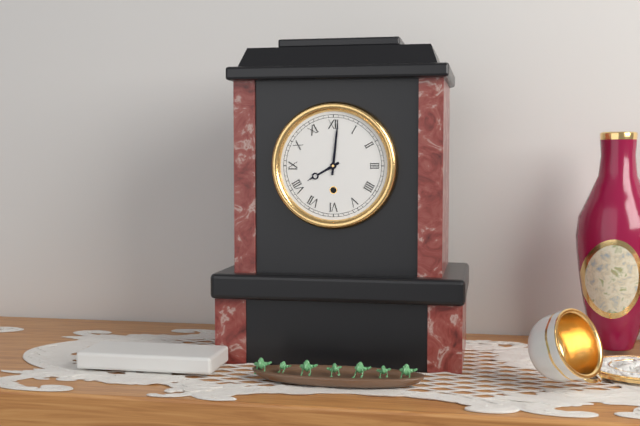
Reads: 8:01
